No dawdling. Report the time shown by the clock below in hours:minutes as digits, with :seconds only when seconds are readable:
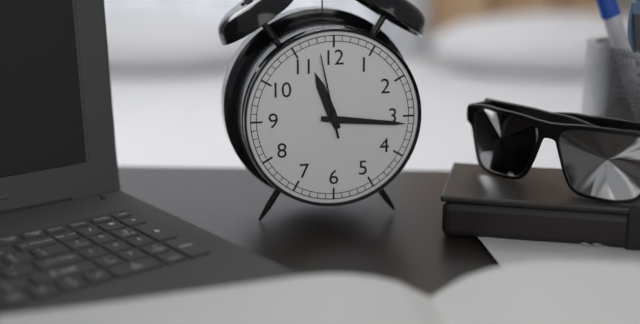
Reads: 11:16:58
